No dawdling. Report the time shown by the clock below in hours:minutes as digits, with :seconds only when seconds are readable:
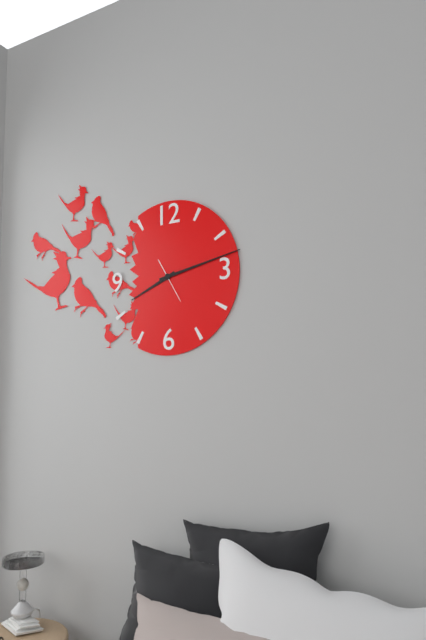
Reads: 8:13
